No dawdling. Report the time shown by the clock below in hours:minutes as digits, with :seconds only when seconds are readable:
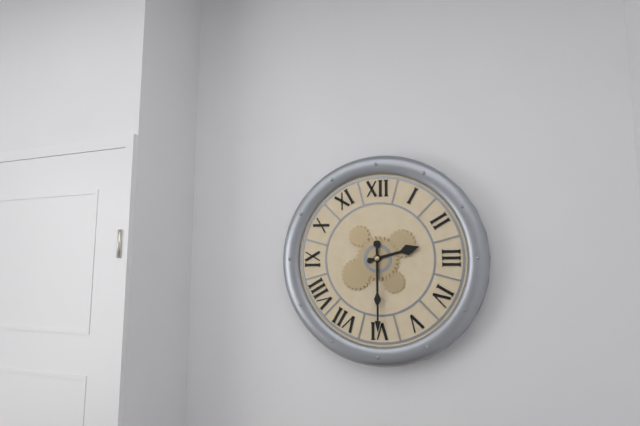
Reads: 2:30
